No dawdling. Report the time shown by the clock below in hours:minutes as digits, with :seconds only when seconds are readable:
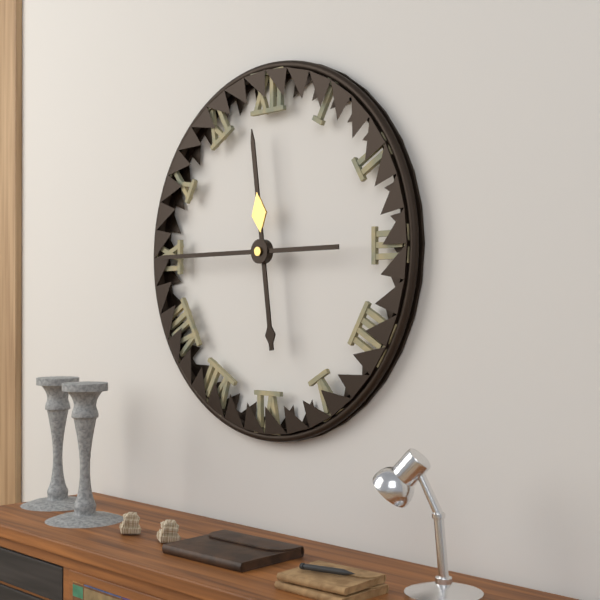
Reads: 11:45
